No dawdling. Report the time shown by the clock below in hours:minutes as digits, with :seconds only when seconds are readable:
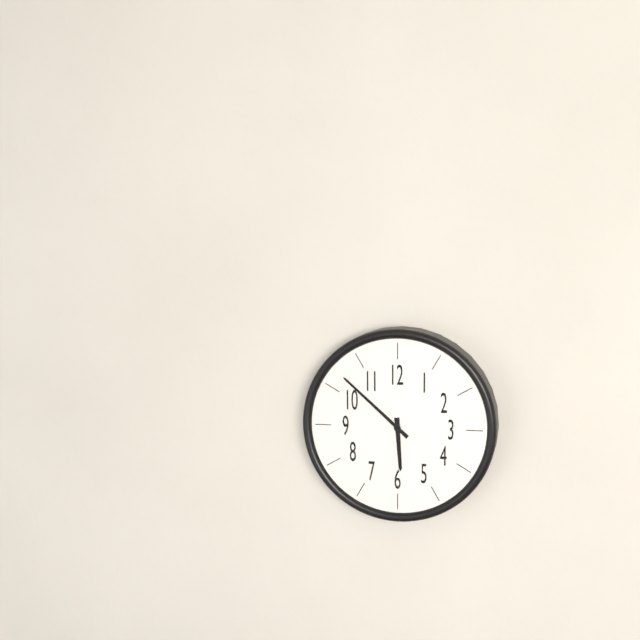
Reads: 5:52
